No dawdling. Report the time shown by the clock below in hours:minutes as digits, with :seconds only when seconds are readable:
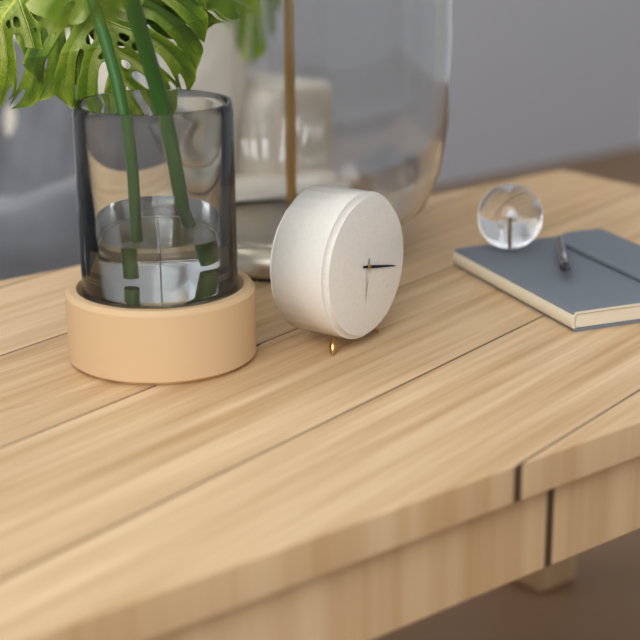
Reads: 6:17
